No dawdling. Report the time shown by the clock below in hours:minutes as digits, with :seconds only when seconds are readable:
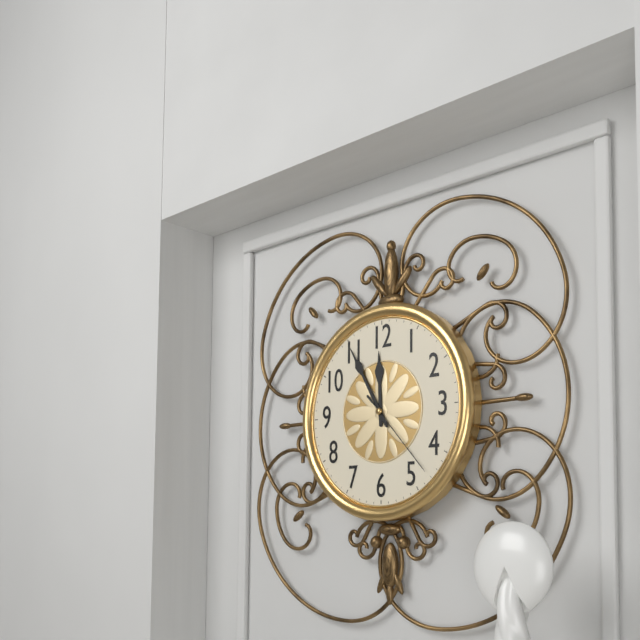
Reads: 11:55:23
